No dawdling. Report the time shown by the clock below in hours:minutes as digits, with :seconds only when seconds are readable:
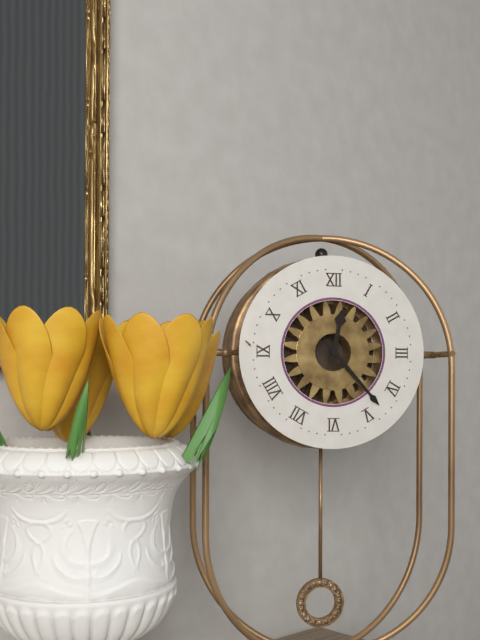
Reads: 12:23
